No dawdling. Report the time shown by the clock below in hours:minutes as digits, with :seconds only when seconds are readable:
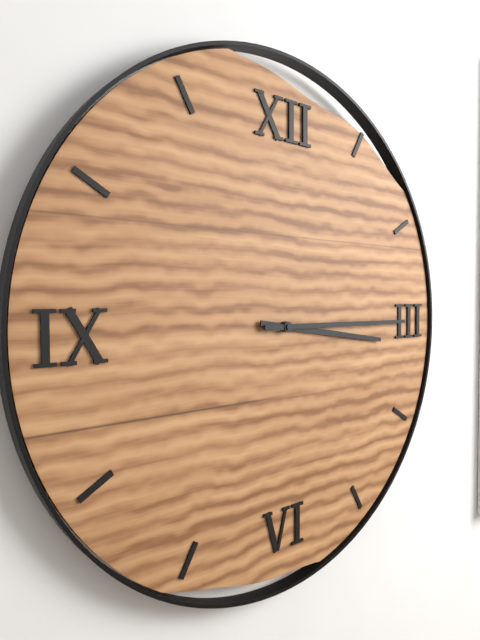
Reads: 3:15
